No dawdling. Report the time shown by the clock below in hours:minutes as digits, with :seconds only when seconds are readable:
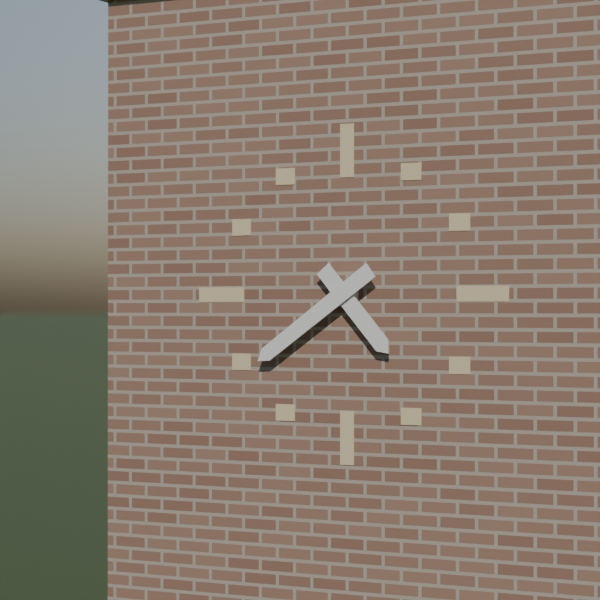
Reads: 4:39
